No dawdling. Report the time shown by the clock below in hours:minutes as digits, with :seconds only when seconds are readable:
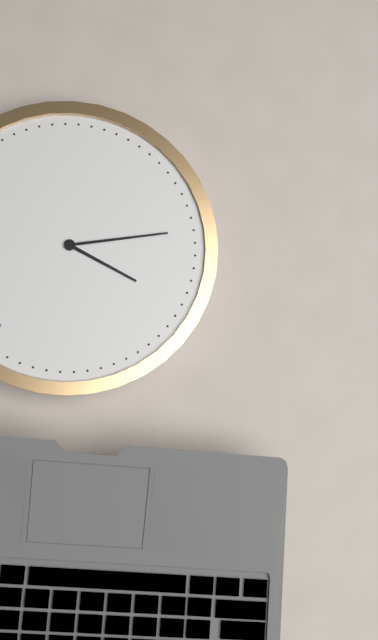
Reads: 8:37
